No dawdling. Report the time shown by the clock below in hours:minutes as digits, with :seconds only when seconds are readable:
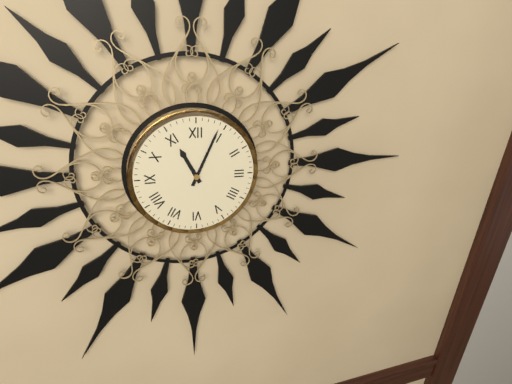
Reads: 11:04
